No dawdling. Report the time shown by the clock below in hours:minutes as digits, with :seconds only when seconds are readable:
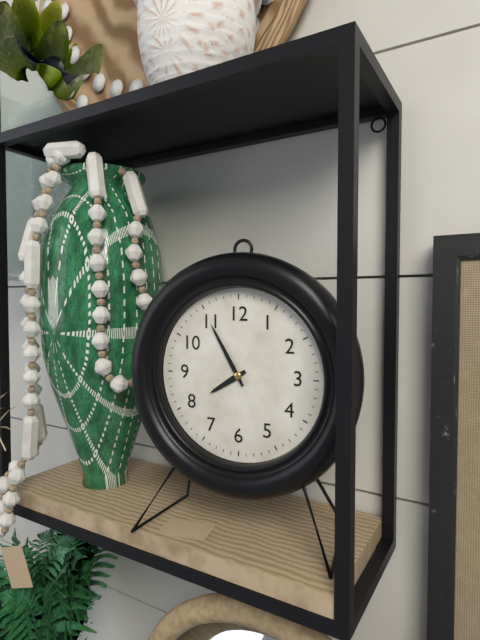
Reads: 7:55
